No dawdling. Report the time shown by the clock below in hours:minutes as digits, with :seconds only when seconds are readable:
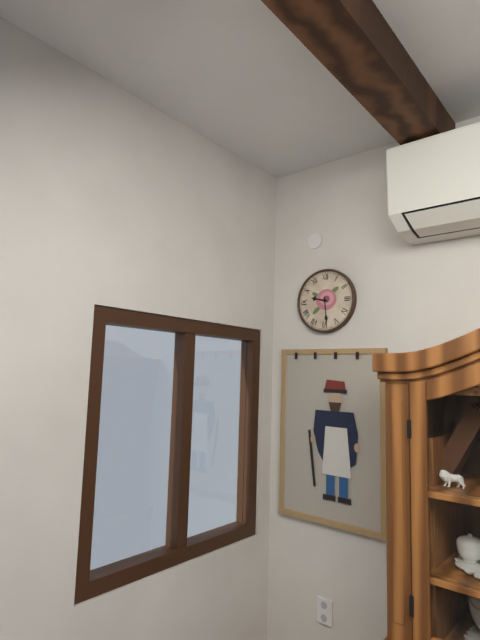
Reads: 9:29
